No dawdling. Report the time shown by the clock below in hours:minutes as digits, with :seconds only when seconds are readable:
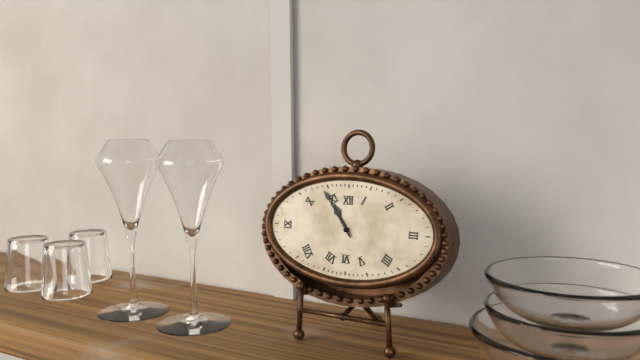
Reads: 10:54
